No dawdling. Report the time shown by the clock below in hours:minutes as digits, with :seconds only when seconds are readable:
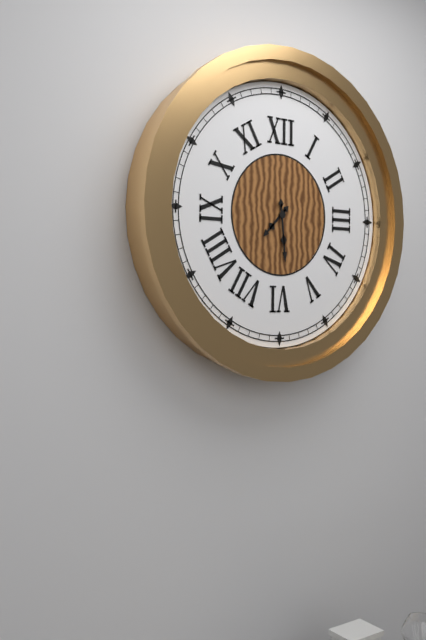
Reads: 7:29
